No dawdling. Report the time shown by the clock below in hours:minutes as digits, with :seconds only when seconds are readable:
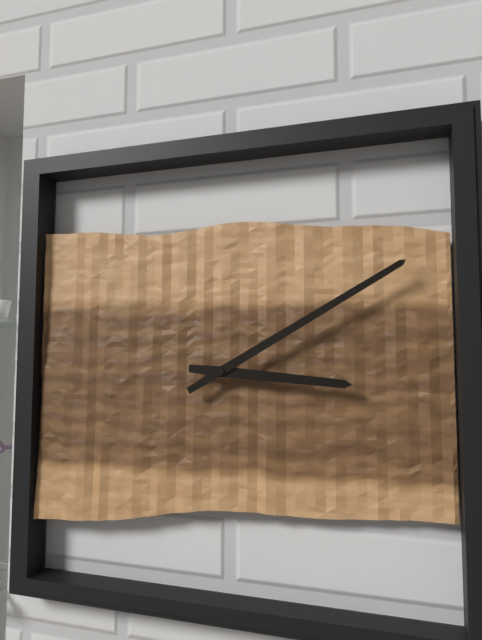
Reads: 3:10
